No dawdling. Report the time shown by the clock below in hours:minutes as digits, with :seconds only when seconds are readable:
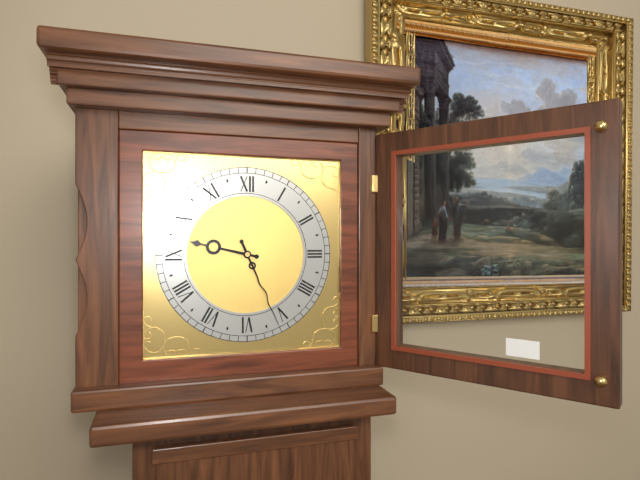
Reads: 9:26
